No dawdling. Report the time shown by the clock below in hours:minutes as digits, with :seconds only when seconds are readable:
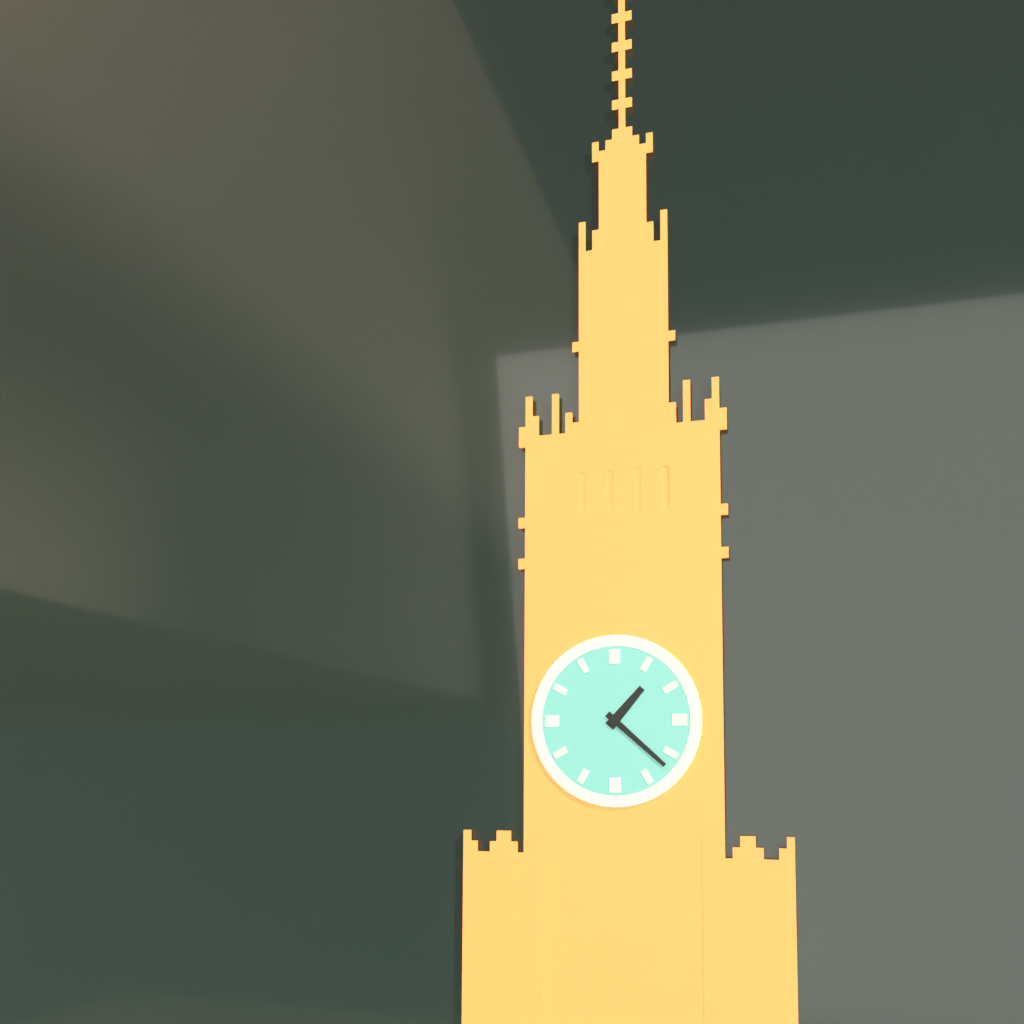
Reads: 1:22
